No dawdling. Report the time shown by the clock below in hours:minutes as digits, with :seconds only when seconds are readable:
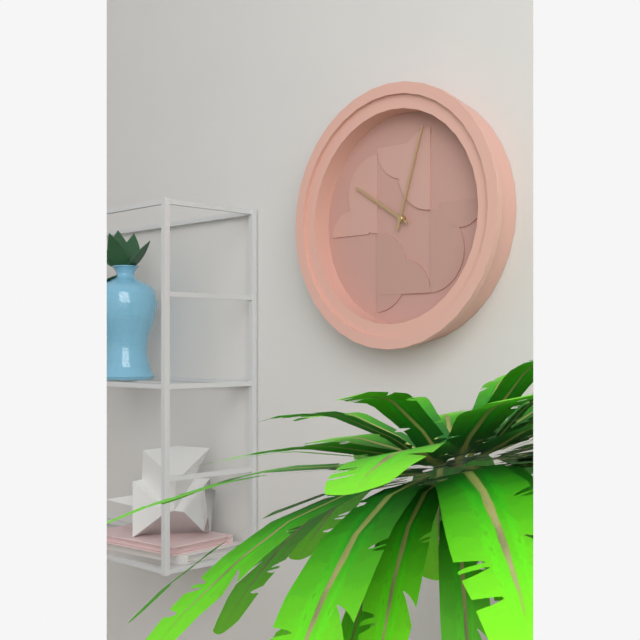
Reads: 10:03
